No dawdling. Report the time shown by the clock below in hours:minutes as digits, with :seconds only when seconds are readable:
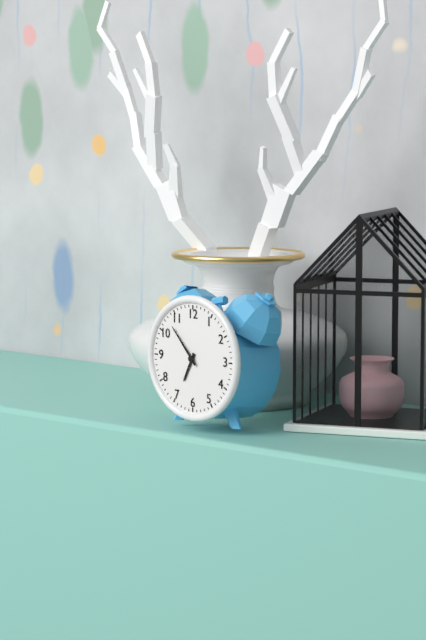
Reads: 6:53
